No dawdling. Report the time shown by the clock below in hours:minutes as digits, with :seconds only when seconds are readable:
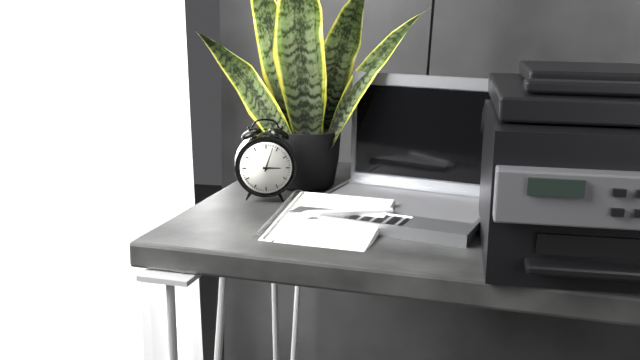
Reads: 3:03
